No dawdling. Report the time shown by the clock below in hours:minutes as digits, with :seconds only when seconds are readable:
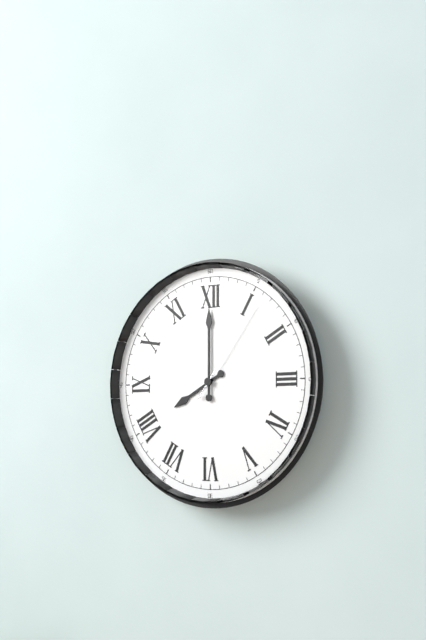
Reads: 8:00:06
